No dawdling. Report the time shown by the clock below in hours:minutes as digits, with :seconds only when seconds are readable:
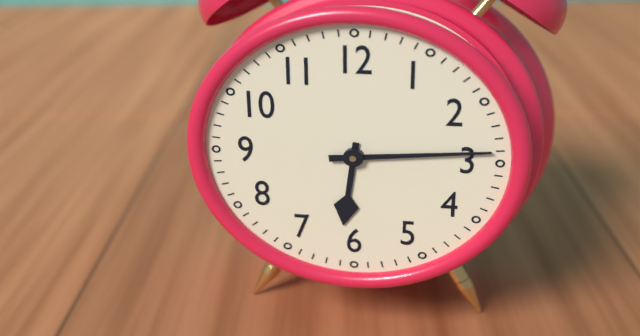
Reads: 6:14
